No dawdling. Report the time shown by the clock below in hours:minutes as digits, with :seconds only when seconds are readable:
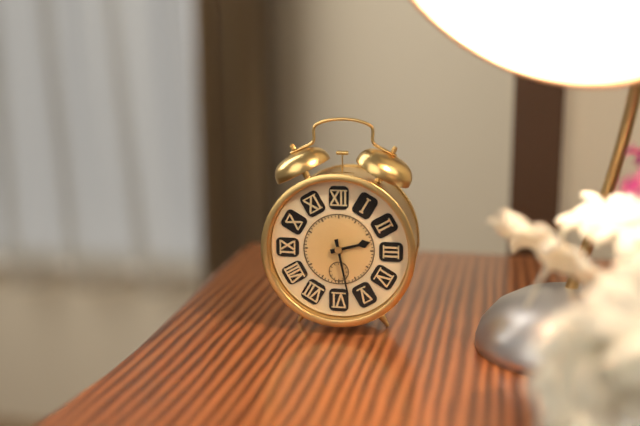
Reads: 2:28
